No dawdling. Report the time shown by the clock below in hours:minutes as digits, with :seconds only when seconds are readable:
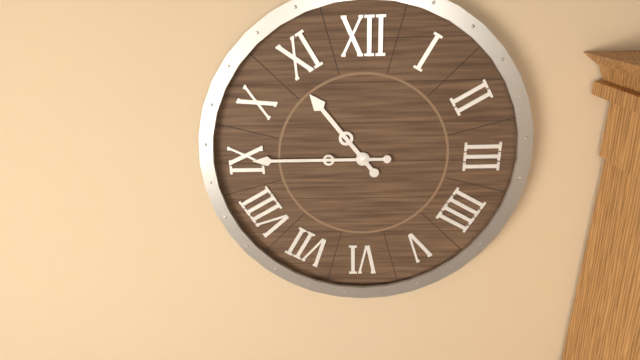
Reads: 10:45
